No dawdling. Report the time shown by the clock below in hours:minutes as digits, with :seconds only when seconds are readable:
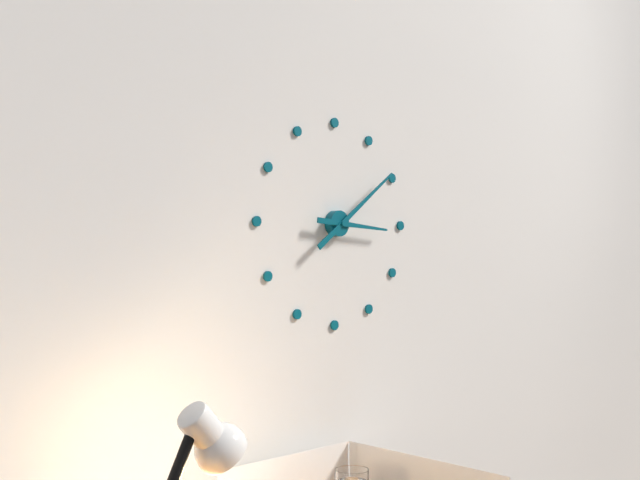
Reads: 3:09
